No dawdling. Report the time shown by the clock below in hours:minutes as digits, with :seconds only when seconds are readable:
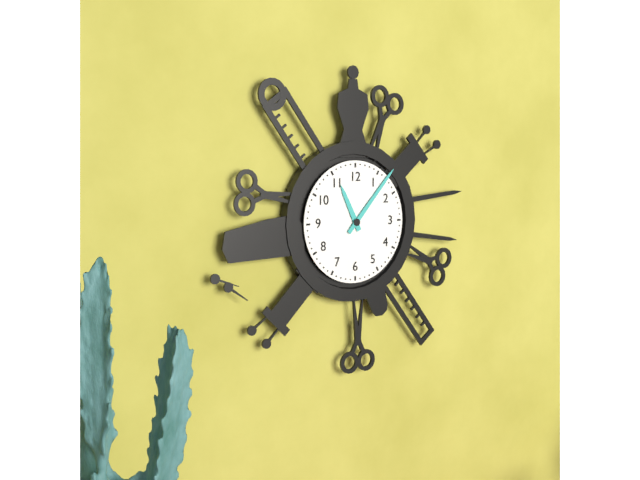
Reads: 11:07
